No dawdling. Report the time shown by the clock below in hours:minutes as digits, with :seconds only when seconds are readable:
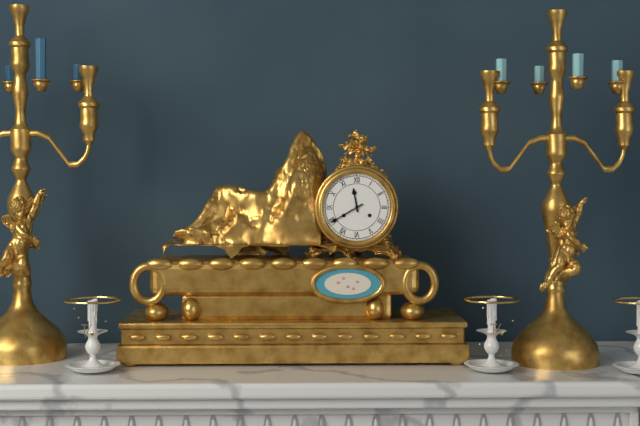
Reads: 11:40
